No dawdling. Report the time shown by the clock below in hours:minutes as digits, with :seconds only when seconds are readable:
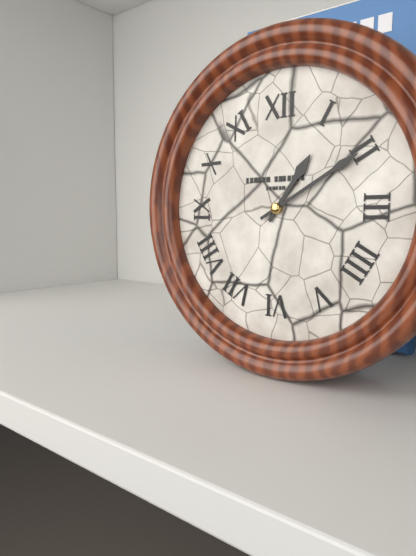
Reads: 1:10
